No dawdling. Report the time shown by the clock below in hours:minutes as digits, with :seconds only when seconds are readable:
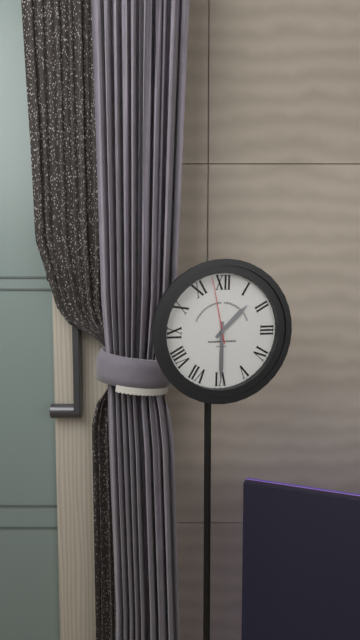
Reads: 1:30:58
